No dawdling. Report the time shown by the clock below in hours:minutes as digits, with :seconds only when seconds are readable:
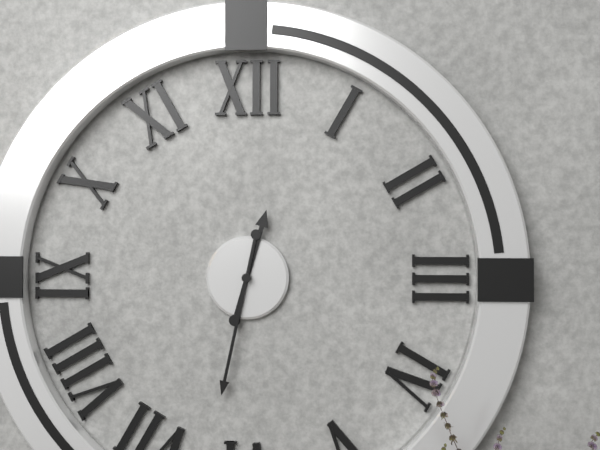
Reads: 12:32
